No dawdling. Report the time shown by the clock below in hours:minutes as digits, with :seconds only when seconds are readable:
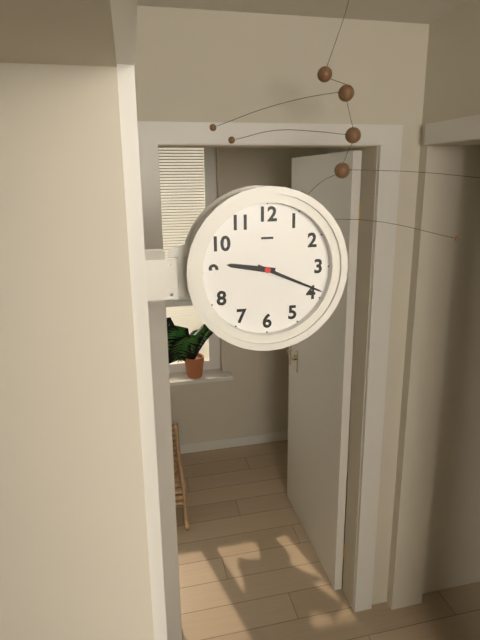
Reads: 9:19
